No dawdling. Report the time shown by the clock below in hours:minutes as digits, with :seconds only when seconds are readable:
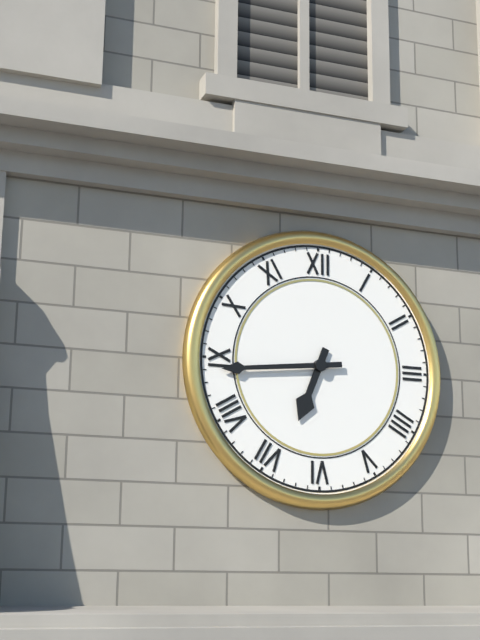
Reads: 6:44
